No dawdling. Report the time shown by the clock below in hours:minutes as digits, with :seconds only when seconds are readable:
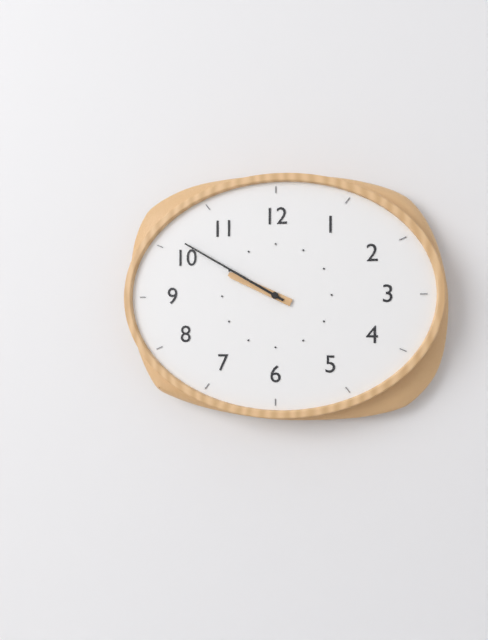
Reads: 9:50
